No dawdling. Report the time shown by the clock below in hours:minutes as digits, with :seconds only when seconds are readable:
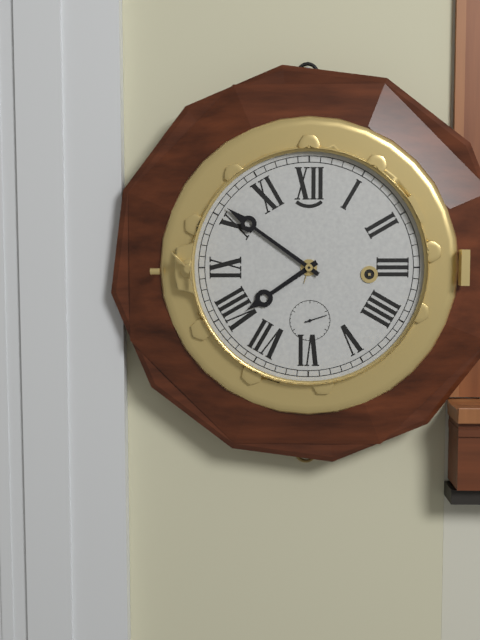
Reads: 7:51
